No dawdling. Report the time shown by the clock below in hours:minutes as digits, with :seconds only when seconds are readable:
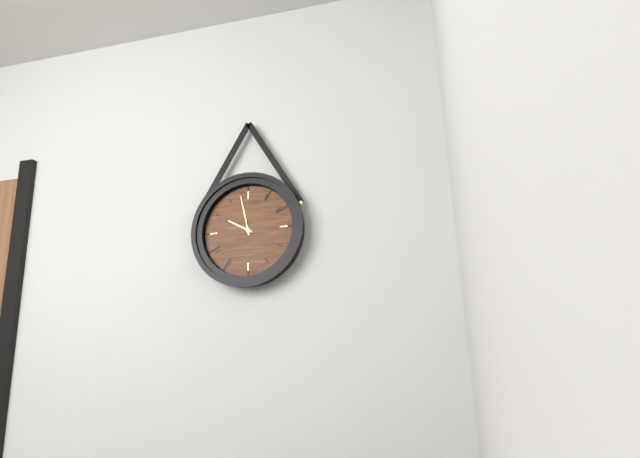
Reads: 9:58
